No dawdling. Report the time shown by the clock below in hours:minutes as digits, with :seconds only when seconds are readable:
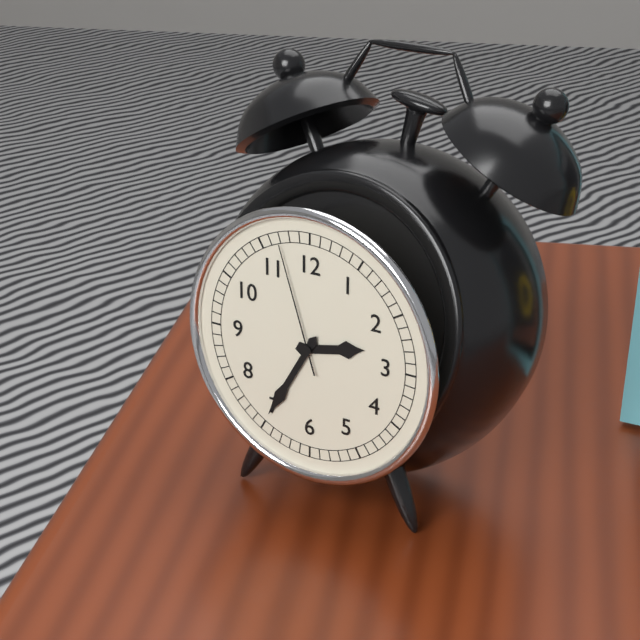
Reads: 2:35:57
